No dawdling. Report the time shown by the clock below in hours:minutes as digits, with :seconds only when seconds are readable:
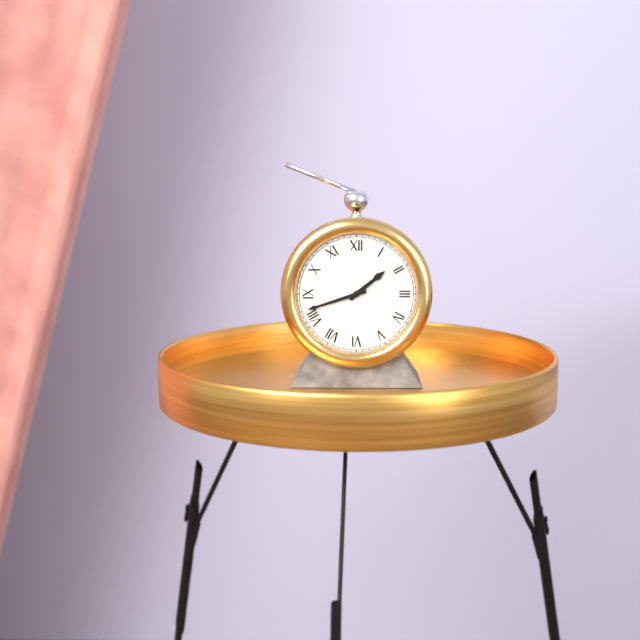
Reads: 1:42
